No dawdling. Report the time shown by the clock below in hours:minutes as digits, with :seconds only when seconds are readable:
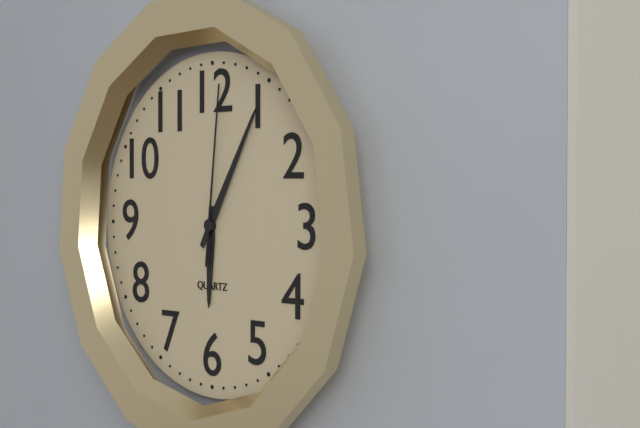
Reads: 6:05:01
